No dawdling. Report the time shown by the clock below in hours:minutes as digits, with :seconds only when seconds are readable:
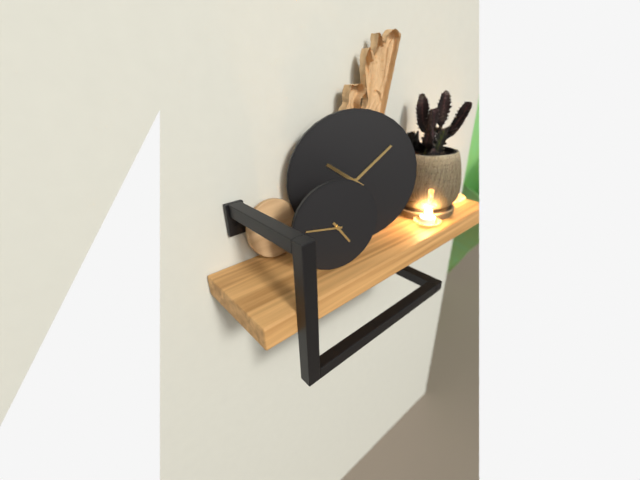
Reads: 4:46
